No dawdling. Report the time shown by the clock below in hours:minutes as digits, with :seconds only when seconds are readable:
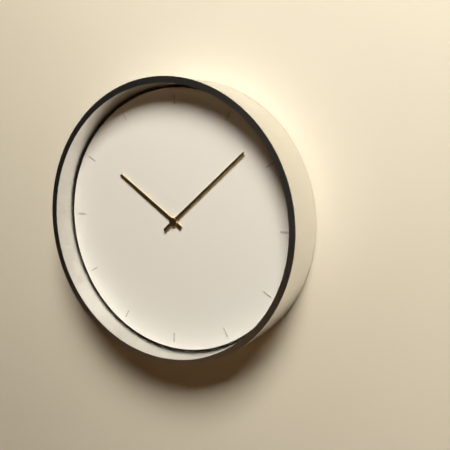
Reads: 10:08
